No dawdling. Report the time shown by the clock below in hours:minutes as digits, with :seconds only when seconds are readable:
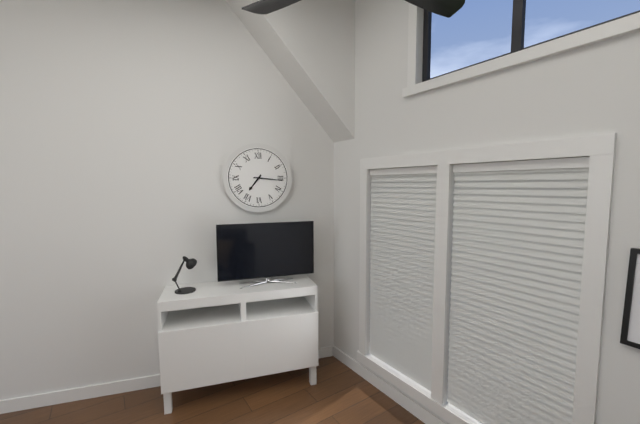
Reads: 7:16
